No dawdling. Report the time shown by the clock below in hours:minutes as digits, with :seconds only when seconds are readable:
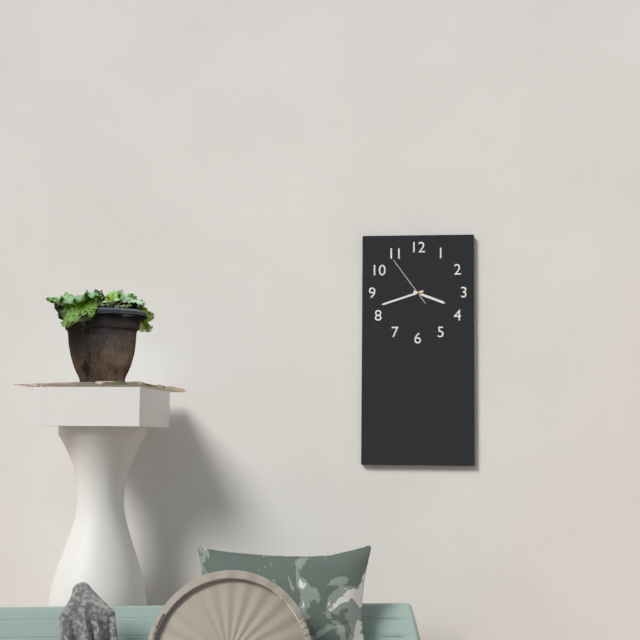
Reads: 3:42:54
